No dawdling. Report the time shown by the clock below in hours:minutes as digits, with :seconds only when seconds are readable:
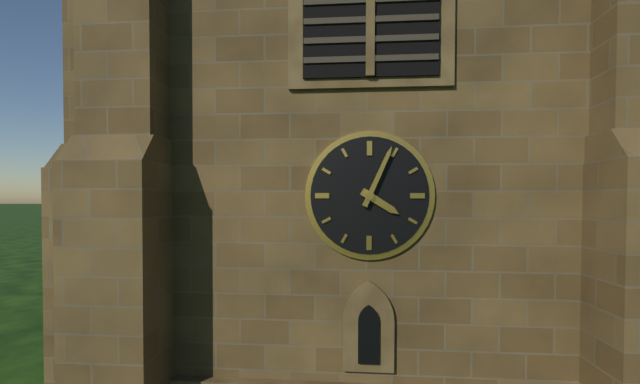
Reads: 4:04
